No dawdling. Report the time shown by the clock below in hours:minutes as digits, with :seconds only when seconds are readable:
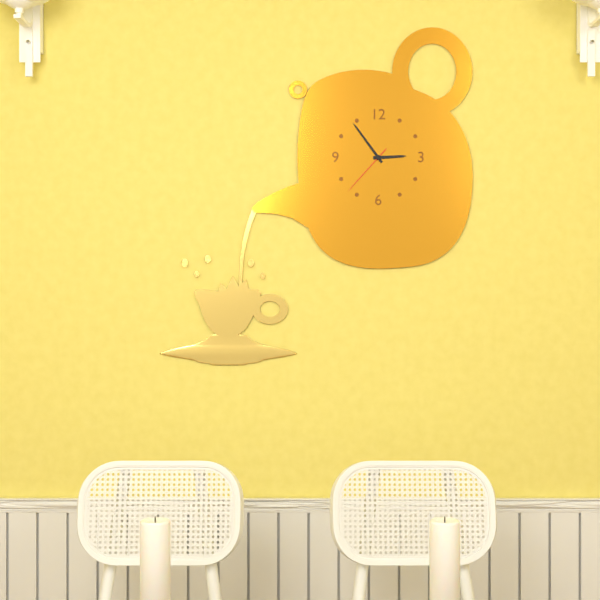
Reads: 2:54:37
